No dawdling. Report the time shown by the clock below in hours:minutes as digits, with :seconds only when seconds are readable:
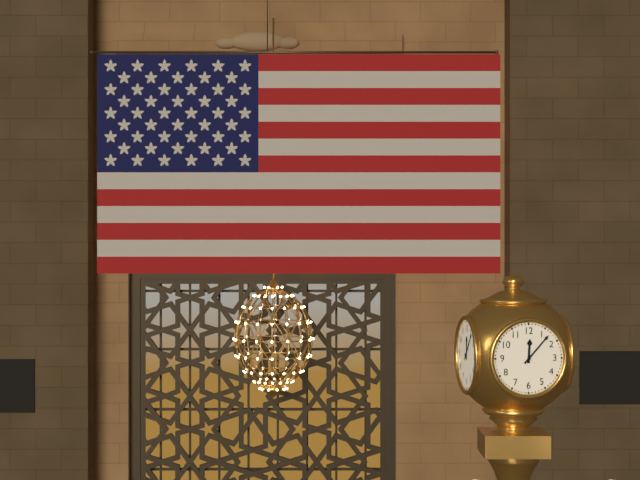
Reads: 12:07
